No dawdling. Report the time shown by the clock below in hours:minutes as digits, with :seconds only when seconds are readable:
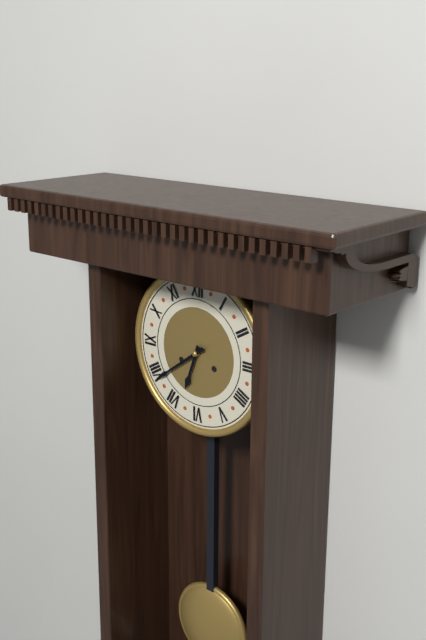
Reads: 6:39
